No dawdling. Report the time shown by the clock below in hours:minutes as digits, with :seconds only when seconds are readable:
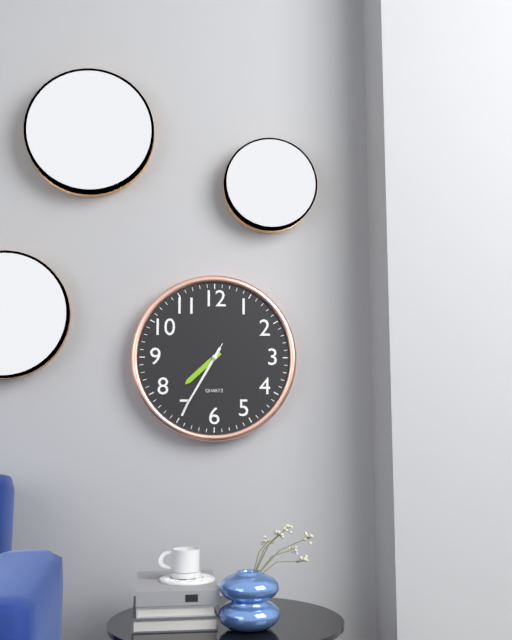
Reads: 7:35:35
